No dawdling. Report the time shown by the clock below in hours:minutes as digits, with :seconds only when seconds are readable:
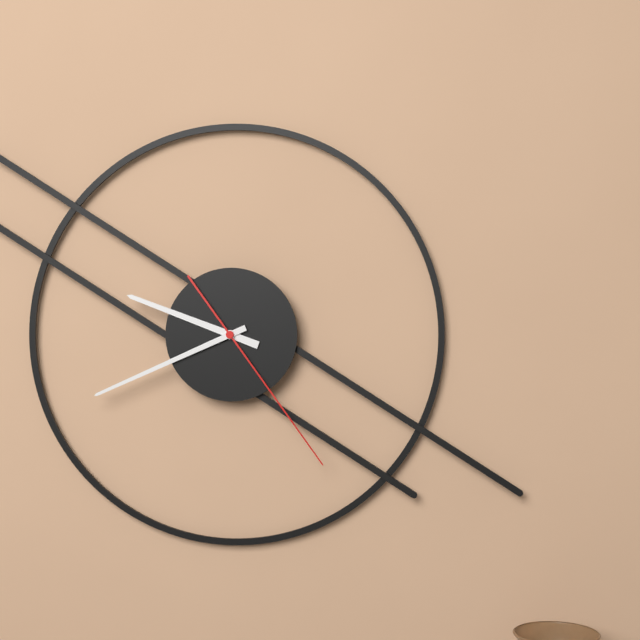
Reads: 9:41:24
